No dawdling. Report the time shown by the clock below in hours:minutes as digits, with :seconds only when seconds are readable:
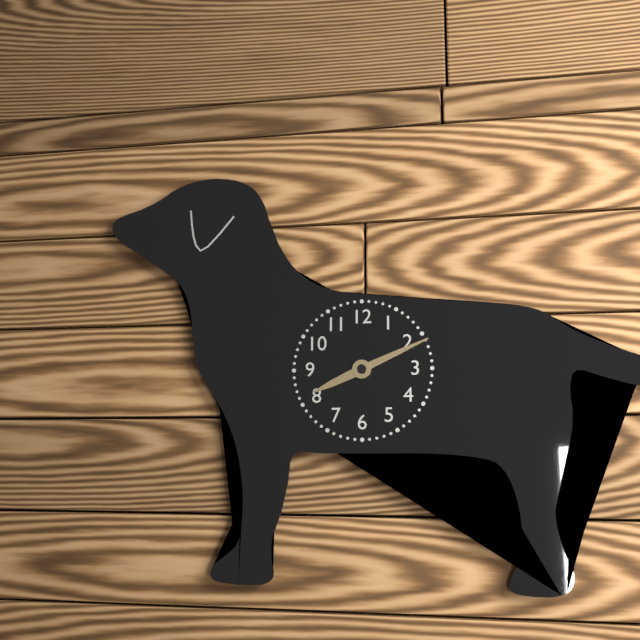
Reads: 8:11
